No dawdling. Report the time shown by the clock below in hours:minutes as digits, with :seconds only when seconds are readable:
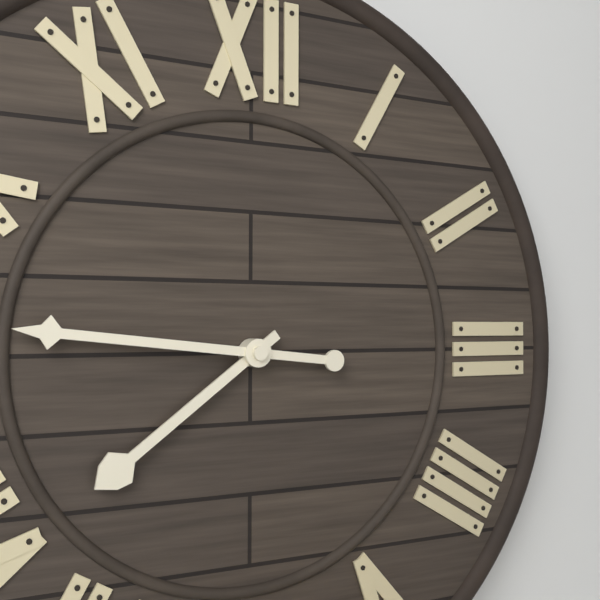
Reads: 7:46
